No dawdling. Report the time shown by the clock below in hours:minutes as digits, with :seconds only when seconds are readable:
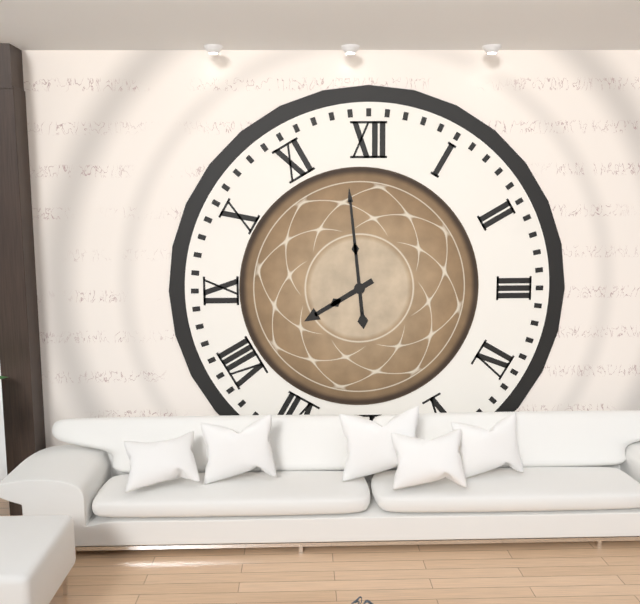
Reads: 7:59
